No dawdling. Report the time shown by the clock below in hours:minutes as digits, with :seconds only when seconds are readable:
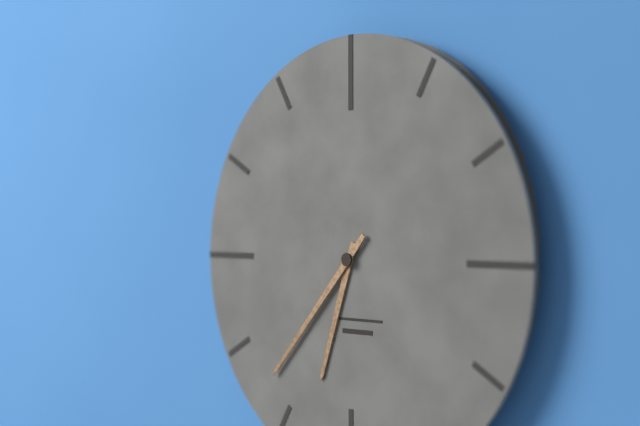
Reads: 6:37
